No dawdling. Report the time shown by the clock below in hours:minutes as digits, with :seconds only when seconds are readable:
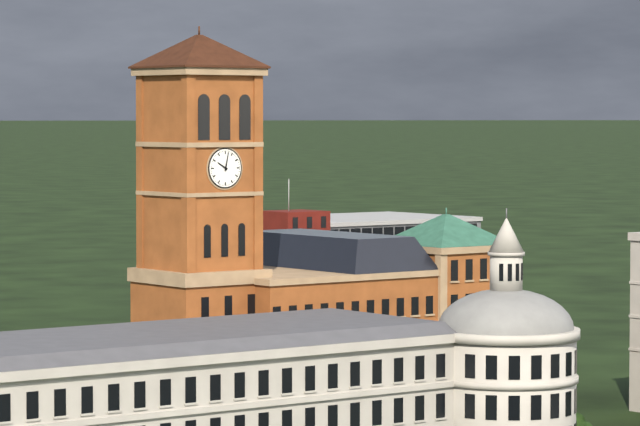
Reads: 10:02
